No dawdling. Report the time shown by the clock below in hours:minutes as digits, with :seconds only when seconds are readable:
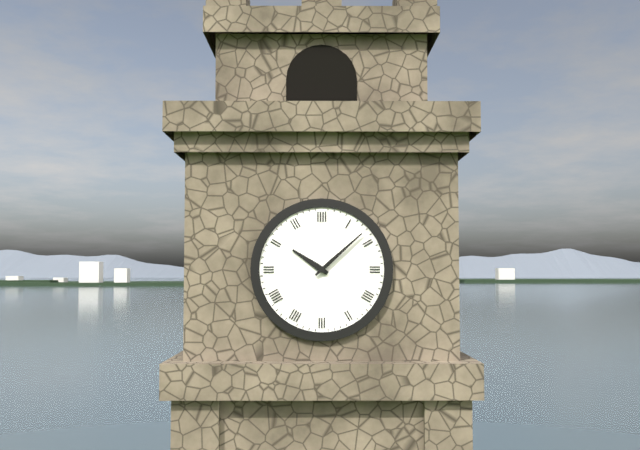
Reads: 10:08
